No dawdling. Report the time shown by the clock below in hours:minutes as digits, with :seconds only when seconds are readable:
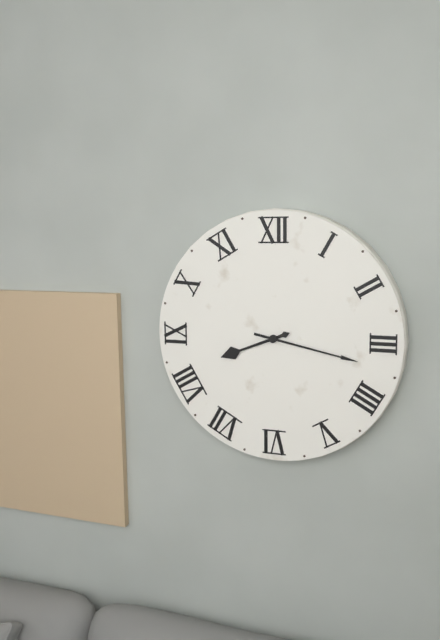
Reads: 8:17
